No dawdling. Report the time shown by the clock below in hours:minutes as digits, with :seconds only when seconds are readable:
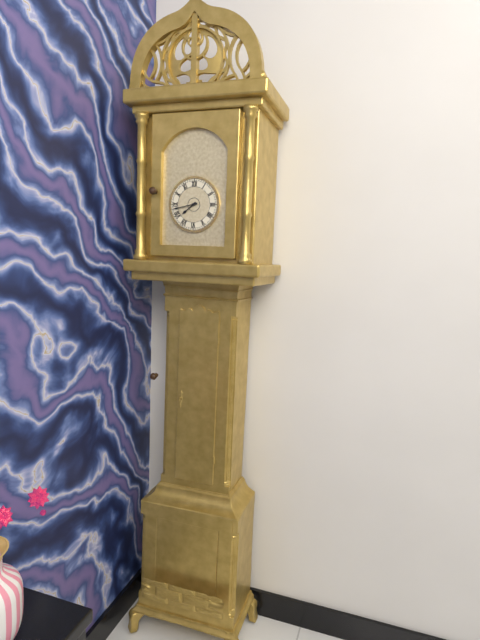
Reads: 7:43
